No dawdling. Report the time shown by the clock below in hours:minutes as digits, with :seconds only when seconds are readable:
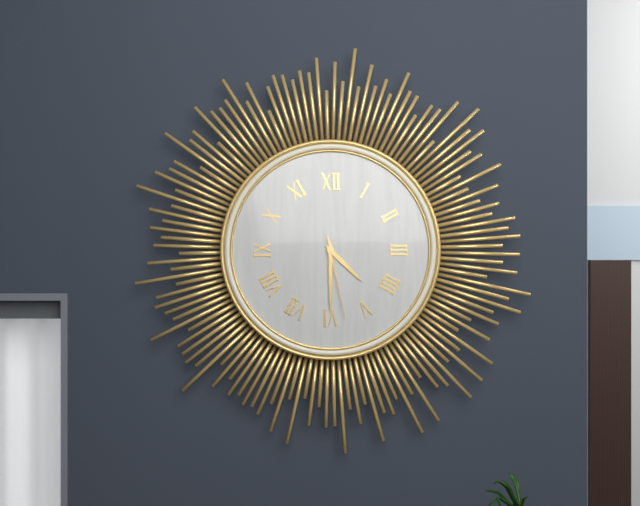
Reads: 4:30:28
